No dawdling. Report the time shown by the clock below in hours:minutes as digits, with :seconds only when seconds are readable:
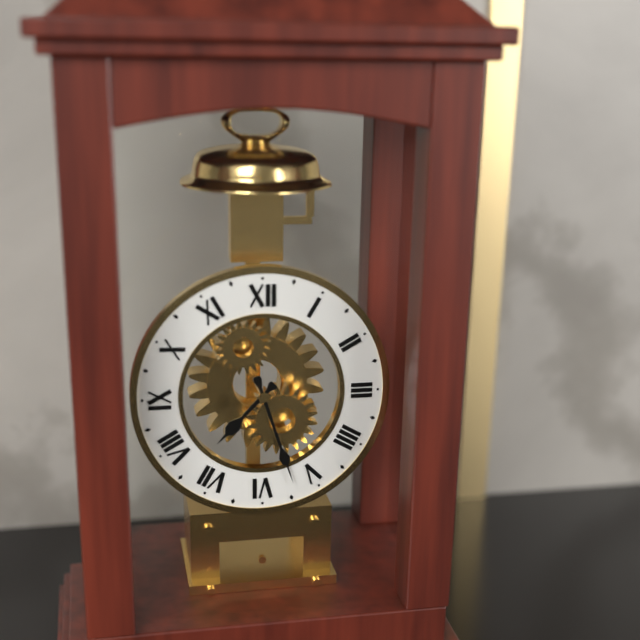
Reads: 7:27
